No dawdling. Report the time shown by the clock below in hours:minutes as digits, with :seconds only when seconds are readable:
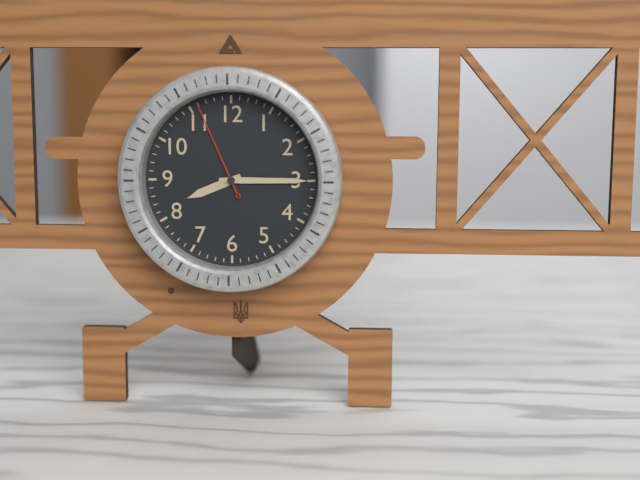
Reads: 8:15:56
